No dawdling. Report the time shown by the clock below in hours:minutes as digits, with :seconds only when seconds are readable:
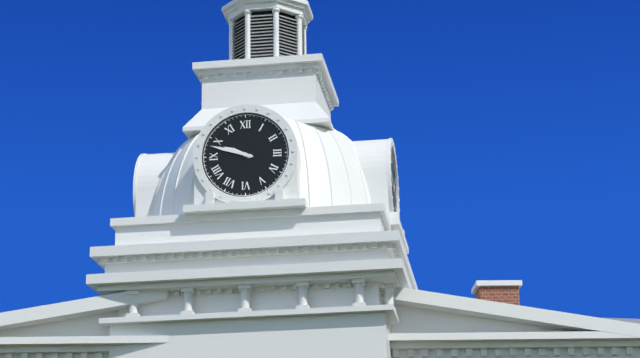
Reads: 9:48
